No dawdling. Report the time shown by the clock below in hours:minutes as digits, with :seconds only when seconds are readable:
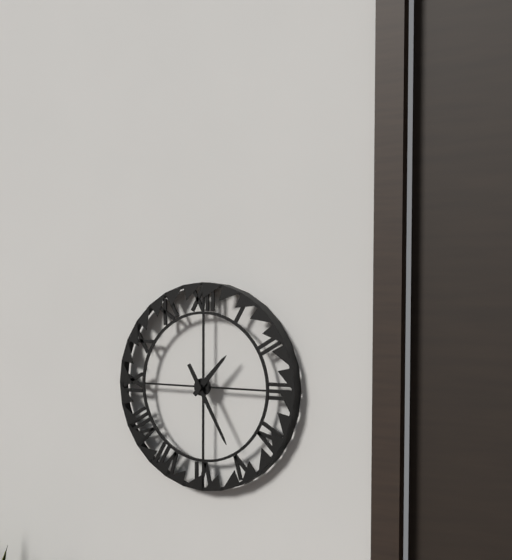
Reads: 1:25
